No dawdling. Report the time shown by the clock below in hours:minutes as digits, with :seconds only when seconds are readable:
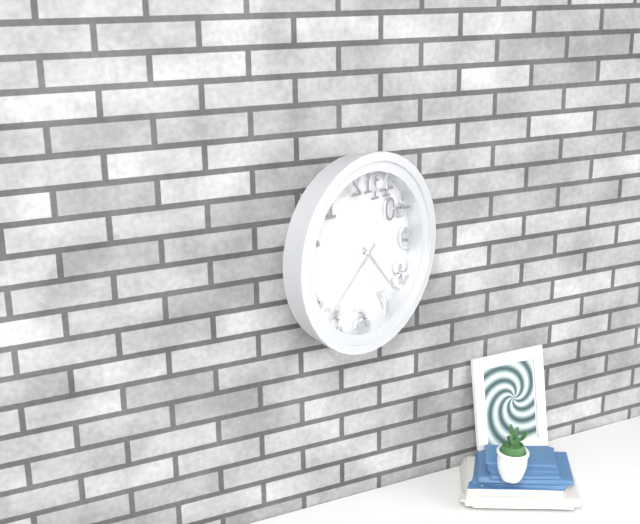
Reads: 4:38
